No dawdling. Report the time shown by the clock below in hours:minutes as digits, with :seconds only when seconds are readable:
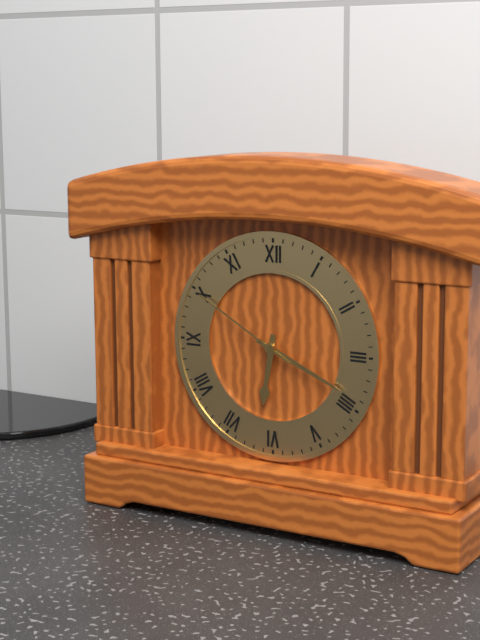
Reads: 6:19:50
